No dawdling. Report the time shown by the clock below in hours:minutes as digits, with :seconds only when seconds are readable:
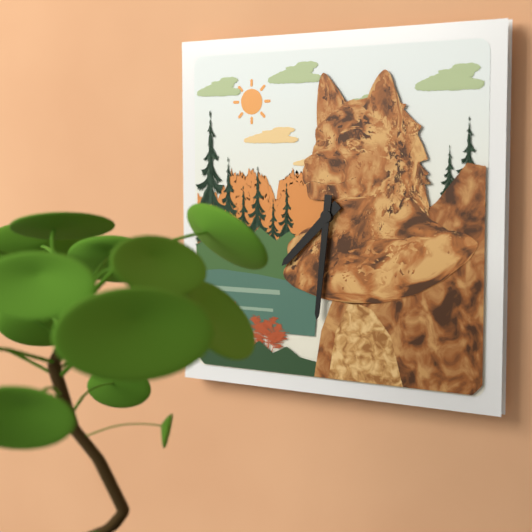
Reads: 7:31
